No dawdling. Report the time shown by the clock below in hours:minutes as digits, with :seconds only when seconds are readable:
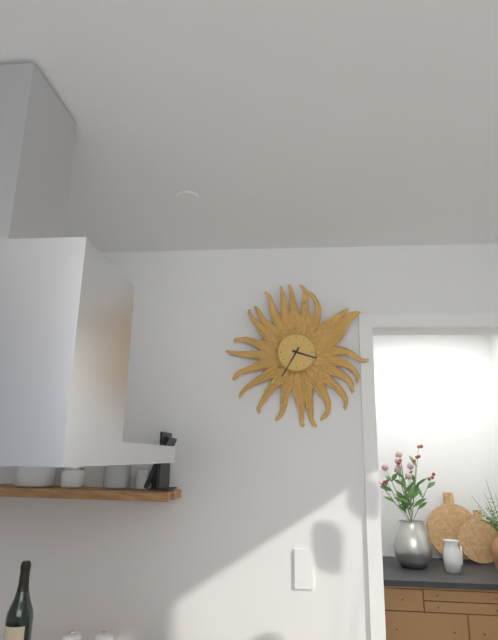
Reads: 3:35
